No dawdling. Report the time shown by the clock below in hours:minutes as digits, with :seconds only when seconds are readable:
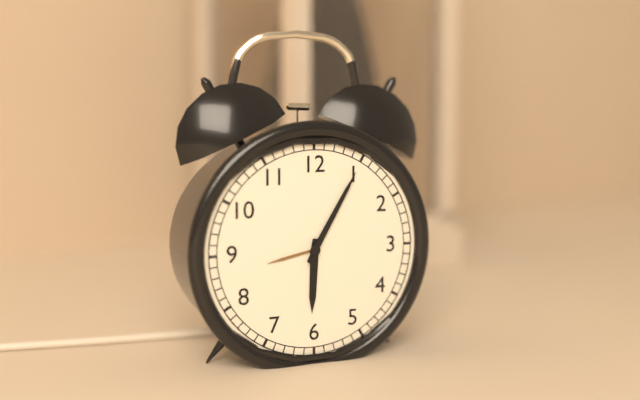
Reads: 6:05
